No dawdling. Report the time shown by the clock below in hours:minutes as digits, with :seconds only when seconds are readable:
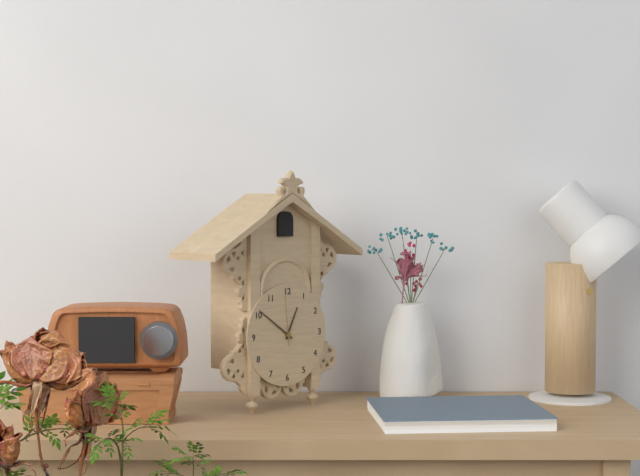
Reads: 12:51
